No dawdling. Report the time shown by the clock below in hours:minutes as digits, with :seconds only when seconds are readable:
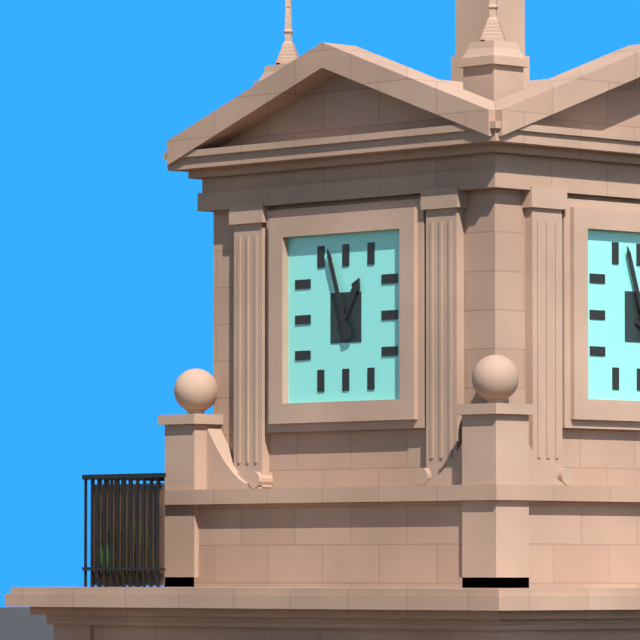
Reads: 12:57
